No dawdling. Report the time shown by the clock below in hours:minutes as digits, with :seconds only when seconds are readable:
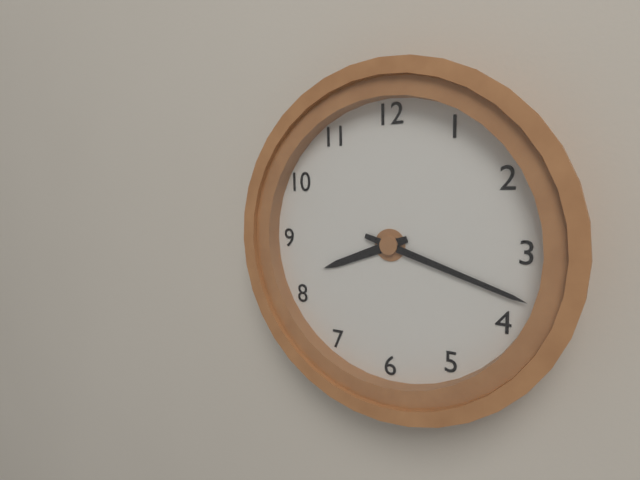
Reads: 8:18
